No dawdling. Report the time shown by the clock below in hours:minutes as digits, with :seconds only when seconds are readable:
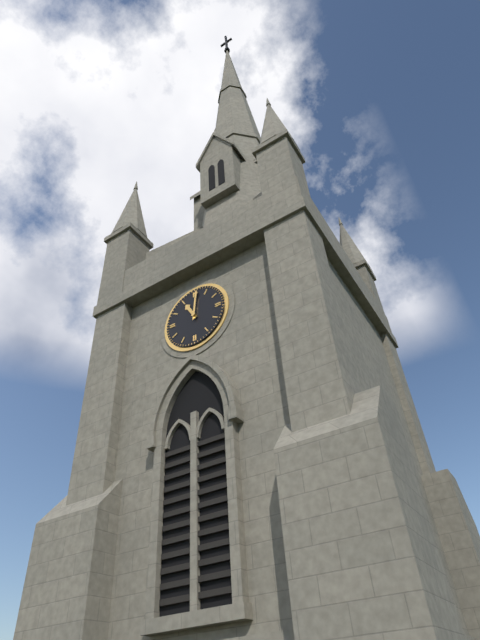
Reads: 11:01
